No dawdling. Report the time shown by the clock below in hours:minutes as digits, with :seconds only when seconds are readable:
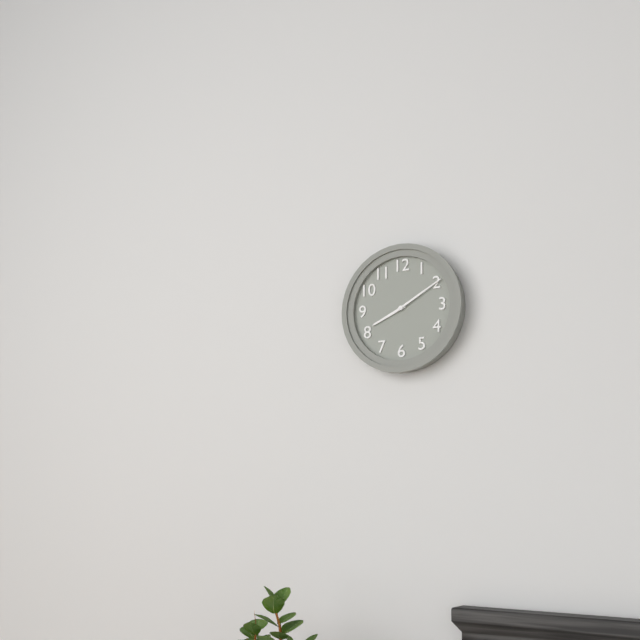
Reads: 8:10
